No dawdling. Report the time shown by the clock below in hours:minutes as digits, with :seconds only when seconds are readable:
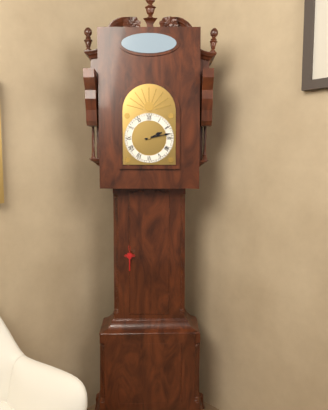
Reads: 2:13
